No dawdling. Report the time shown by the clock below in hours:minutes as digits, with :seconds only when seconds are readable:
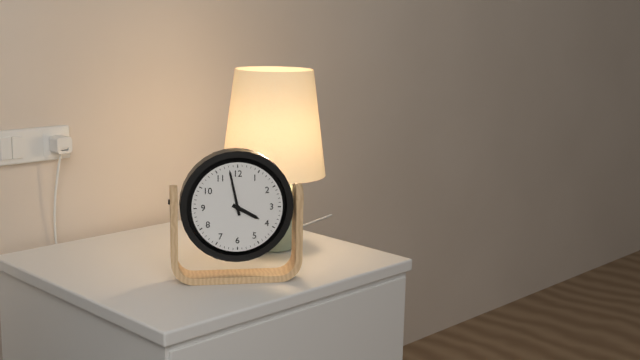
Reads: 3:58
